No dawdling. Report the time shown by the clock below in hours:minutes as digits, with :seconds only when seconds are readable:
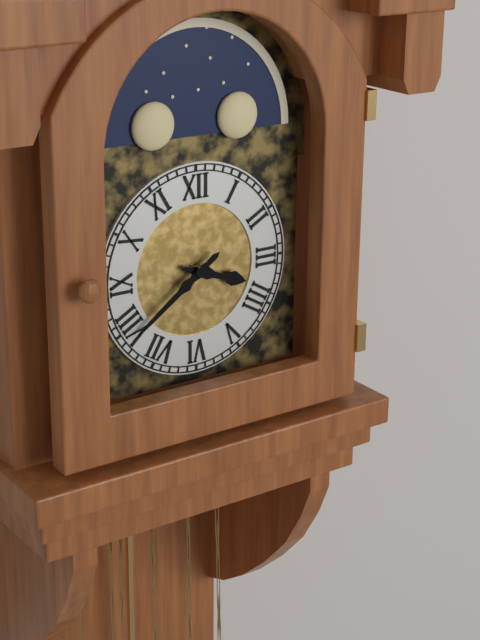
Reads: 3:39
